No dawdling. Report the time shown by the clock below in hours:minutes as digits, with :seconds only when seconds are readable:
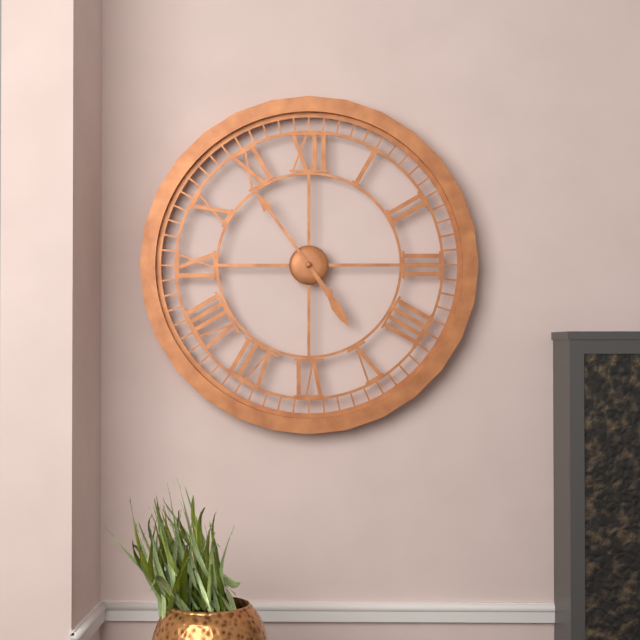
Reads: 4:54
